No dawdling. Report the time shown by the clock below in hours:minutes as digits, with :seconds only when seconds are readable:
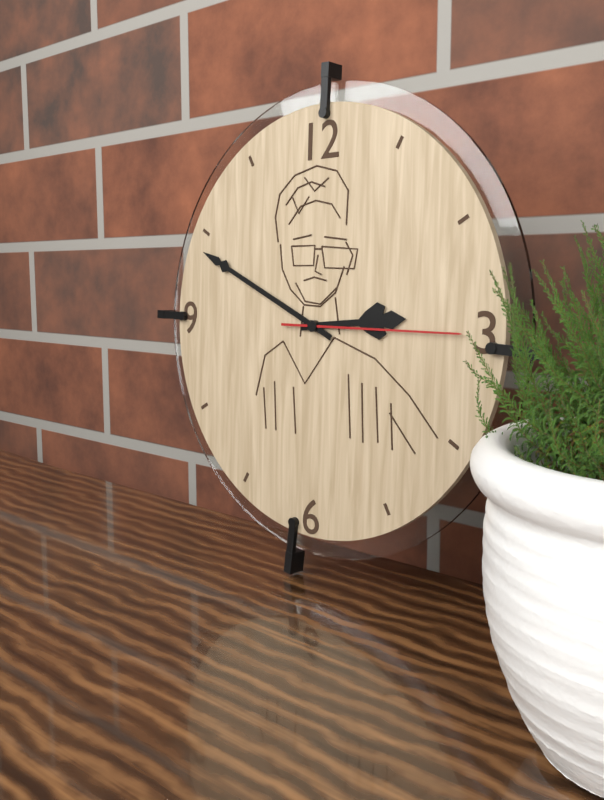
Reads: 2:49:15
